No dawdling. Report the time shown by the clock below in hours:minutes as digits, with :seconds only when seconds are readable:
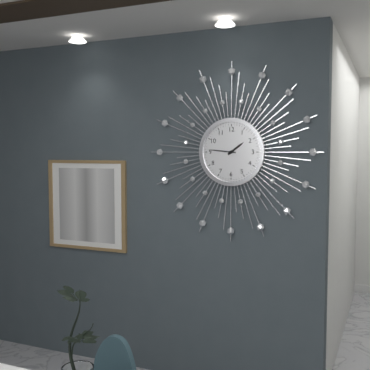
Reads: 1:46
